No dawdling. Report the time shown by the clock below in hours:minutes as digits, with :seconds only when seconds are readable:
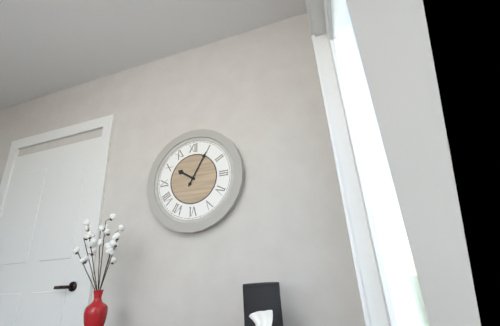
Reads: 10:05
